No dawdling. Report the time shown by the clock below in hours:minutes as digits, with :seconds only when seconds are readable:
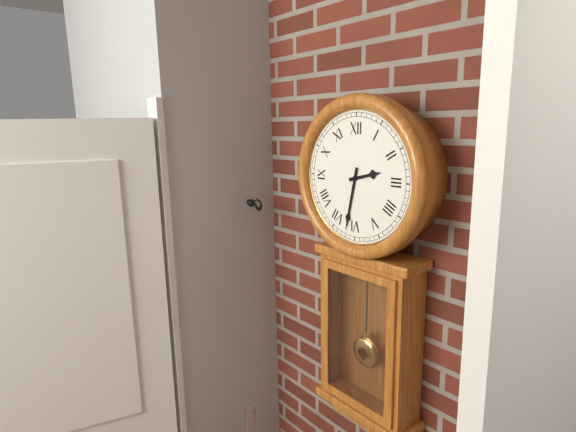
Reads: 2:32
